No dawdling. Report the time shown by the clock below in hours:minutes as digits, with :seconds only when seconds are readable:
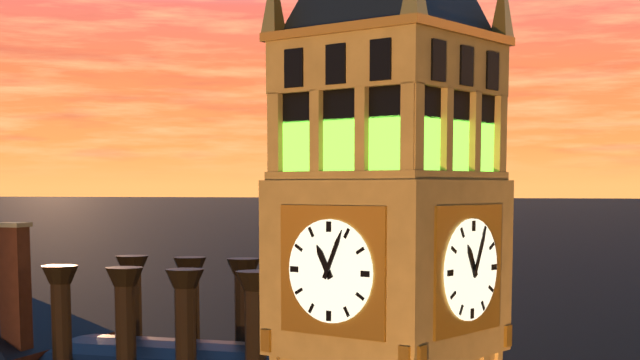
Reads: 11:04
